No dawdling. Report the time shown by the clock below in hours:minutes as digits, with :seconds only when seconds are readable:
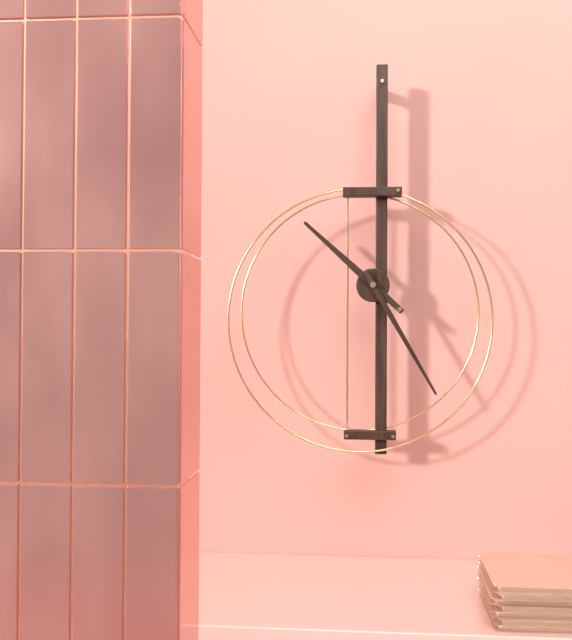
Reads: 10:25
